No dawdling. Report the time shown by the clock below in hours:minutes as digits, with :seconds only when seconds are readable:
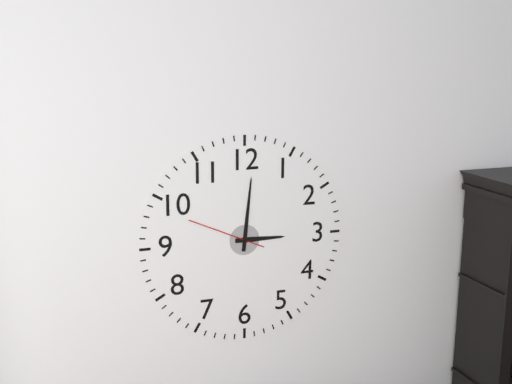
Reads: 3:01:49
